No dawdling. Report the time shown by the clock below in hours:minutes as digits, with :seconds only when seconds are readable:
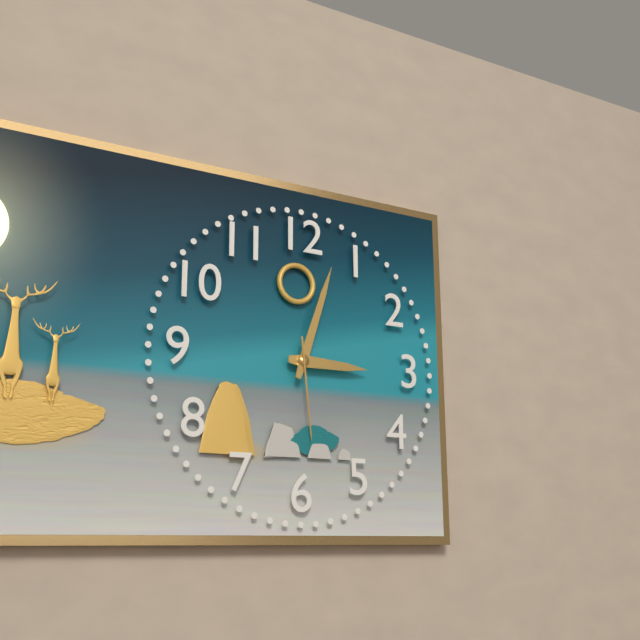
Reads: 3:03:29
